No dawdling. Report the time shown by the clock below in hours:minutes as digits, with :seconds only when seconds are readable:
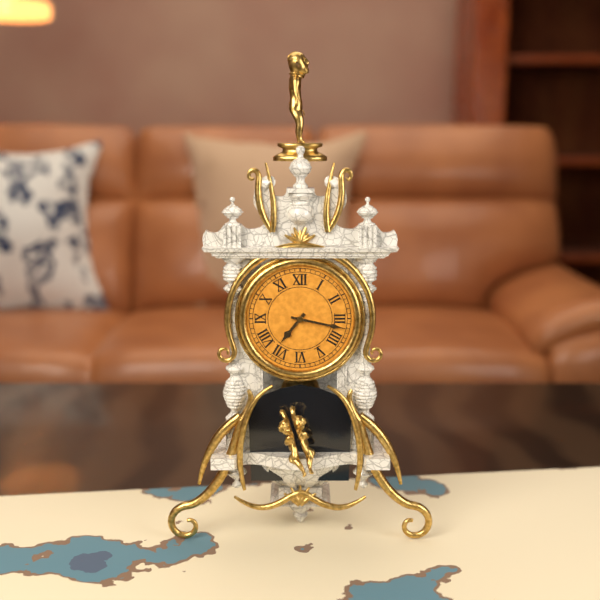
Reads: 7:17
